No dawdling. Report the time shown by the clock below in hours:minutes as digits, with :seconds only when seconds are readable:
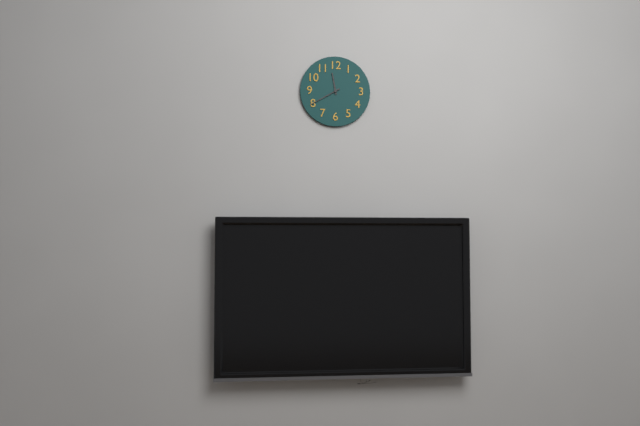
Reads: 11:40
